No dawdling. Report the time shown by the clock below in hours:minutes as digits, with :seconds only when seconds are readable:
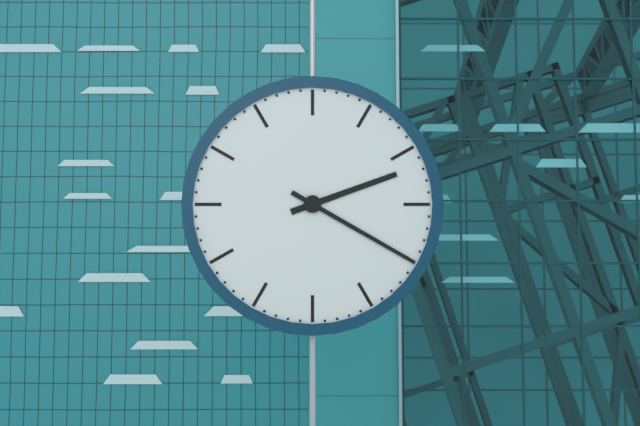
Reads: 2:20
